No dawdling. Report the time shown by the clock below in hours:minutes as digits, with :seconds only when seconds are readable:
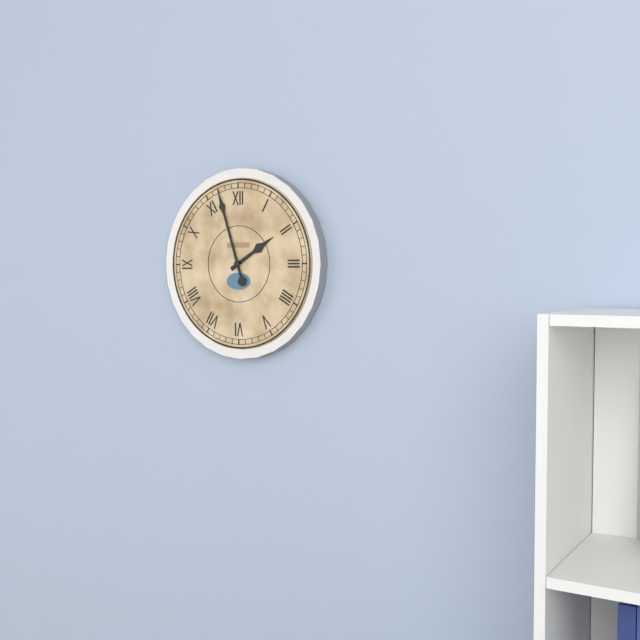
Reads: 1:57
